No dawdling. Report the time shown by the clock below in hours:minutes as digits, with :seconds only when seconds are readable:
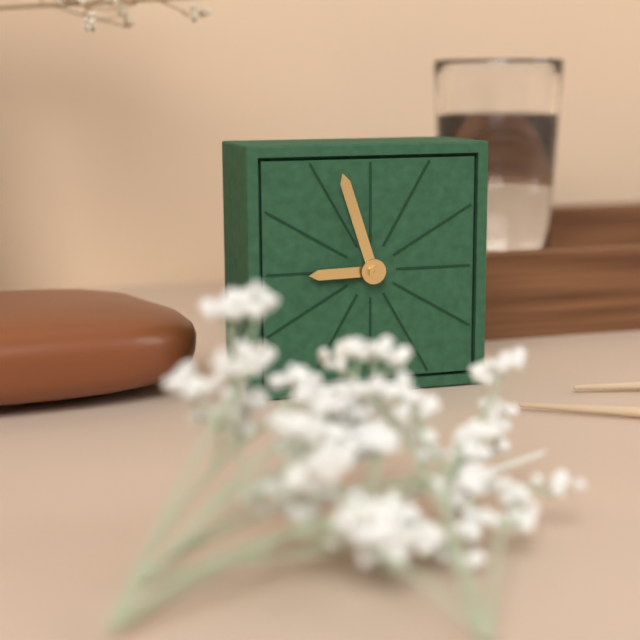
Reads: 8:57
